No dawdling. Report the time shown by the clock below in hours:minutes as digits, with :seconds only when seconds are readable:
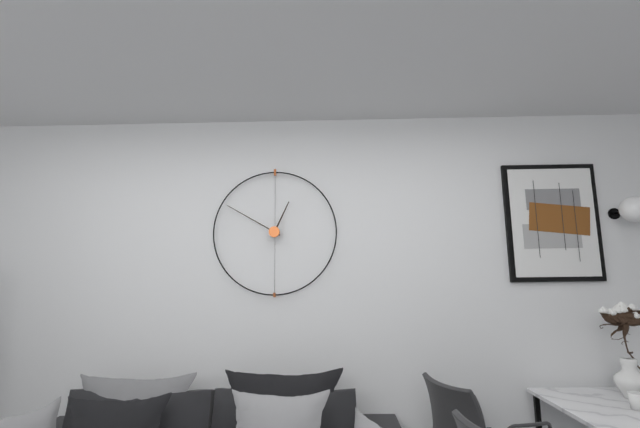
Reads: 12:50
